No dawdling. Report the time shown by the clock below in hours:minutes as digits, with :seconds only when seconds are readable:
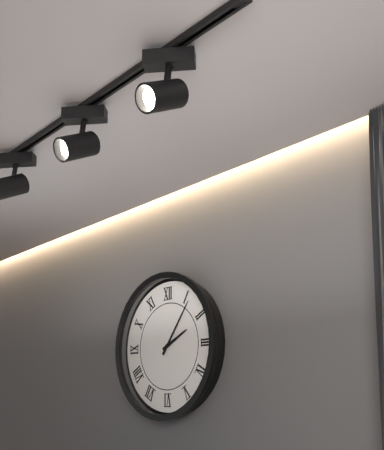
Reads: 2:06
